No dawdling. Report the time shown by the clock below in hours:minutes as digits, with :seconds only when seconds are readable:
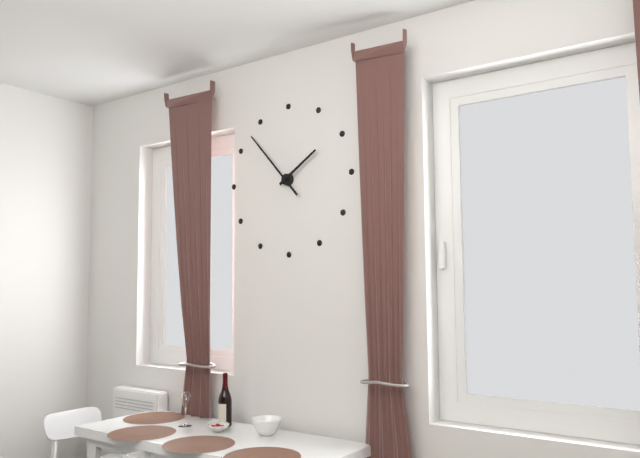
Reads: 1:53
